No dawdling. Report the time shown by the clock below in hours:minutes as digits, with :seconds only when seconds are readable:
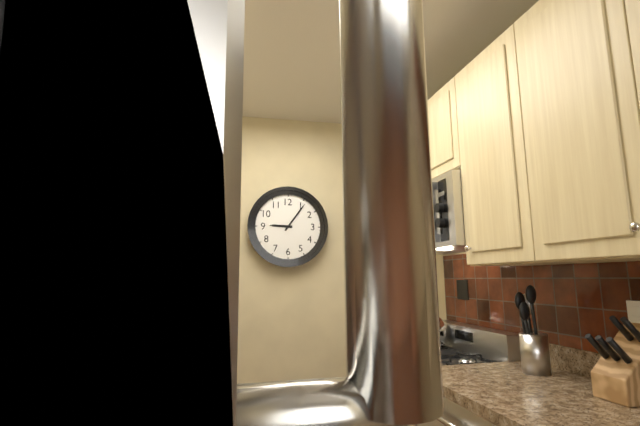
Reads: 9:06
